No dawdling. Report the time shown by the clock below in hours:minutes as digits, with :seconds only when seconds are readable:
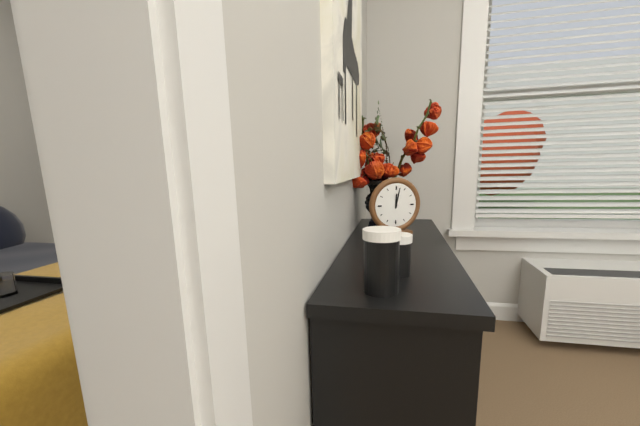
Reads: 12:02
